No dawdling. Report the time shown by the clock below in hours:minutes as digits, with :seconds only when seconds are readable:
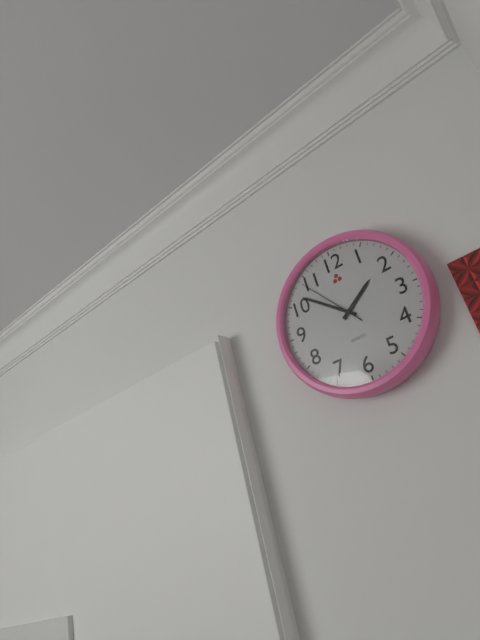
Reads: 1:52:54
